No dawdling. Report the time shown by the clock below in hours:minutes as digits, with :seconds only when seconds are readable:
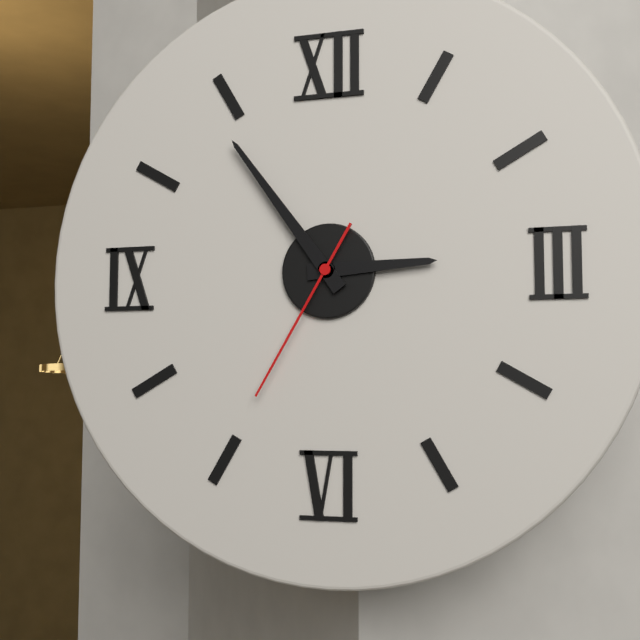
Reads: 2:54:35
